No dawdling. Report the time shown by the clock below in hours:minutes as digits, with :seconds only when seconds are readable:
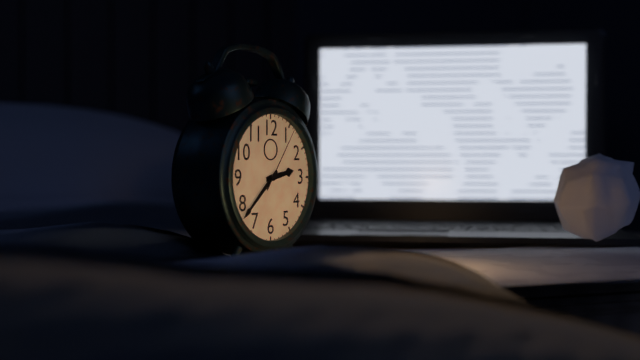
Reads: 2:38:06
